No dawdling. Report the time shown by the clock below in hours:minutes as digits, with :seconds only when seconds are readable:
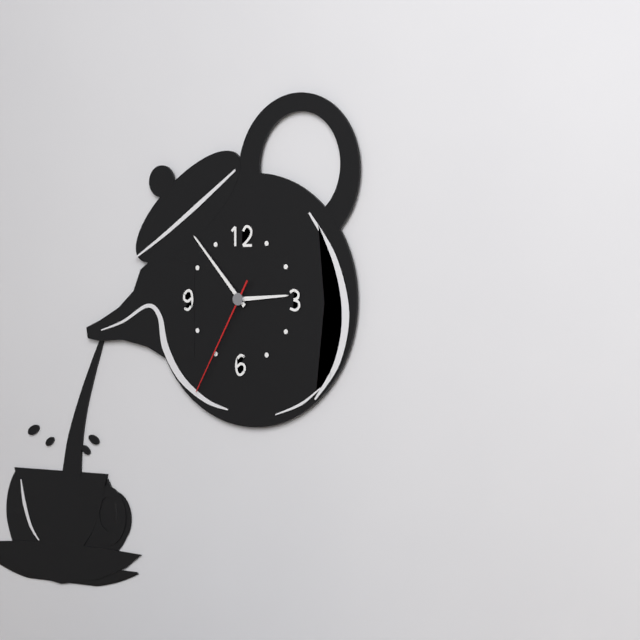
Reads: 2:53:35
